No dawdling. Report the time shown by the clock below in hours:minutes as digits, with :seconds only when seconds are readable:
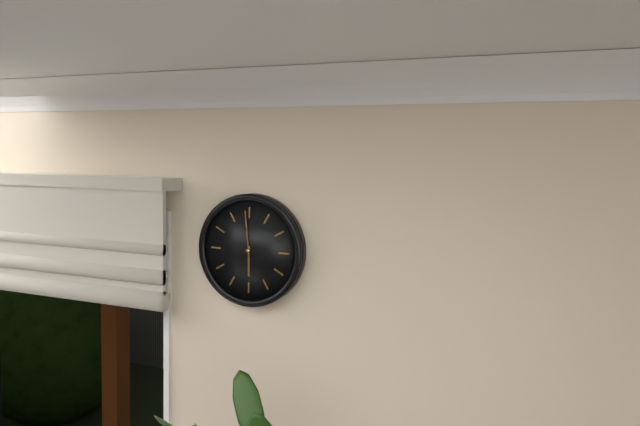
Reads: 5:59
